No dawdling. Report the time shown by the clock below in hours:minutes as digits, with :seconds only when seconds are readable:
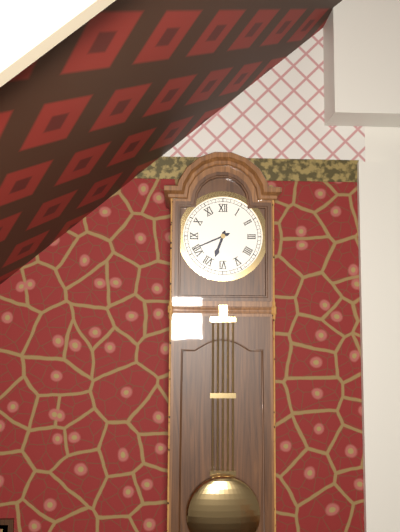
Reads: 6:41
